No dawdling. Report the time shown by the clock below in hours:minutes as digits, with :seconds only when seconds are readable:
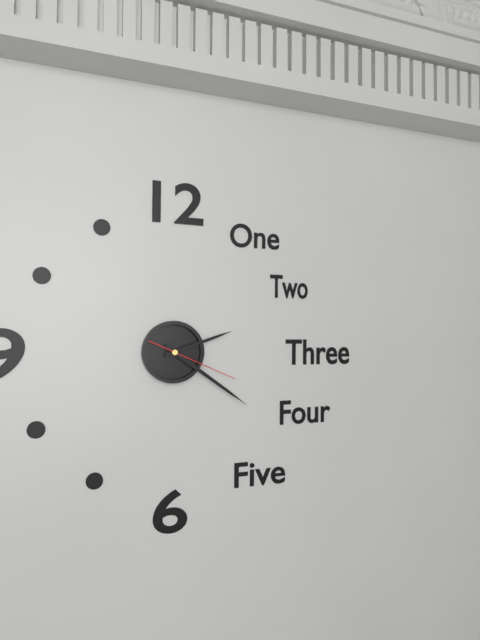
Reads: 2:21:19
